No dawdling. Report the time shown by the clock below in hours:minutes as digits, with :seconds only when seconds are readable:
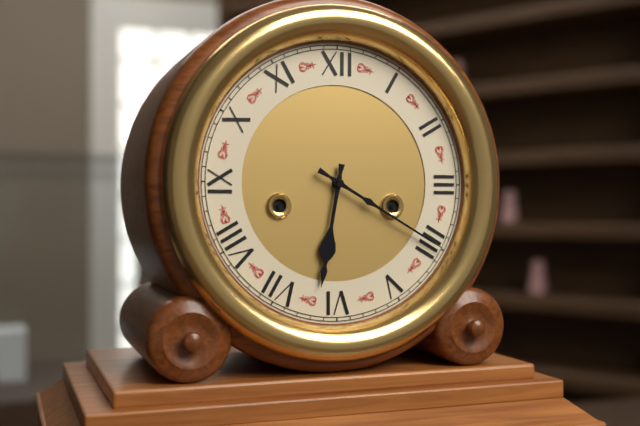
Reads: 6:20
